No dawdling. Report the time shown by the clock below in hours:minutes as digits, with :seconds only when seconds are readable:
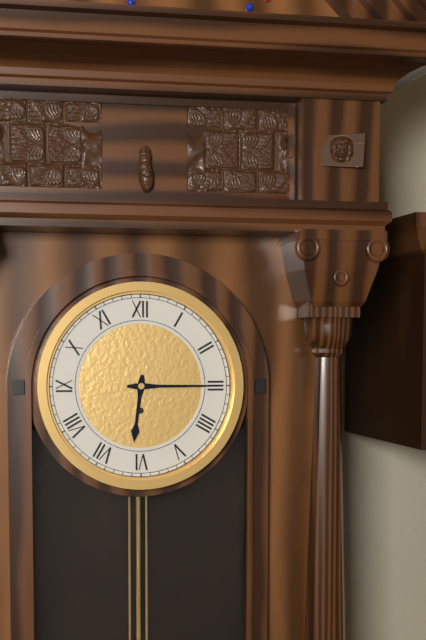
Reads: 6:15
